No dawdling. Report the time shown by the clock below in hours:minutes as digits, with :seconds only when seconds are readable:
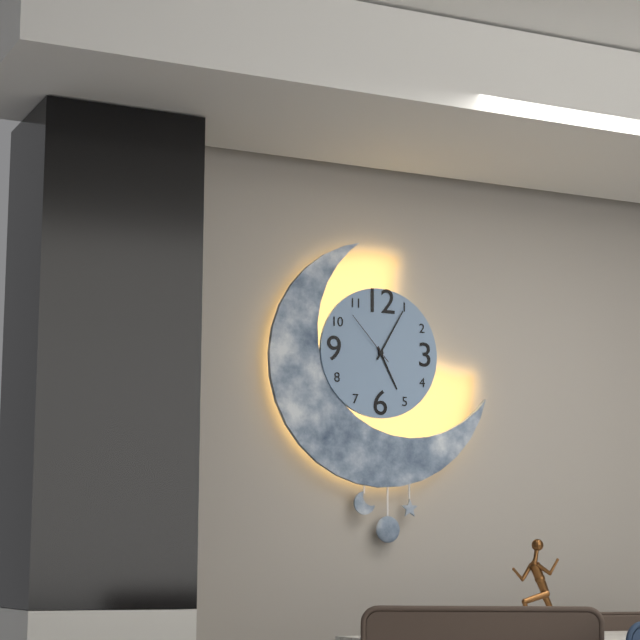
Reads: 5:05:53
